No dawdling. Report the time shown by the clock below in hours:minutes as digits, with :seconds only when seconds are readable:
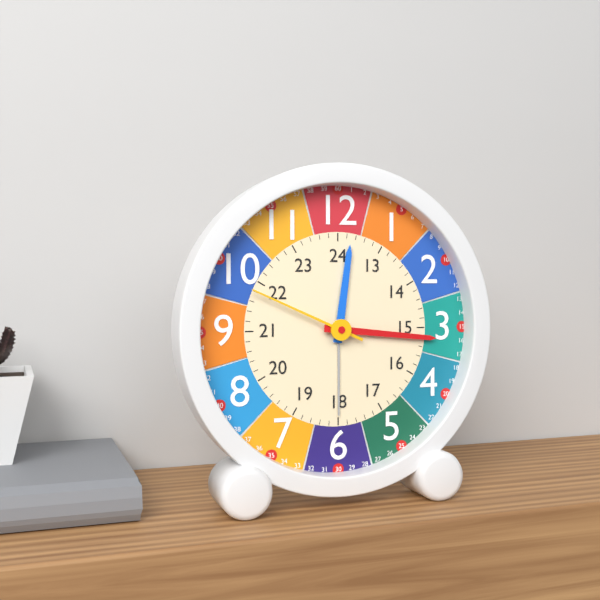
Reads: 12:16:49
